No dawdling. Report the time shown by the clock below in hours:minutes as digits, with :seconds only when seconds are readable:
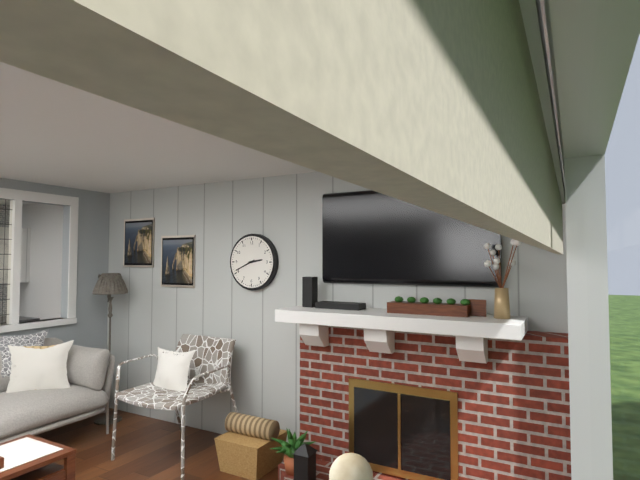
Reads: 2:41
